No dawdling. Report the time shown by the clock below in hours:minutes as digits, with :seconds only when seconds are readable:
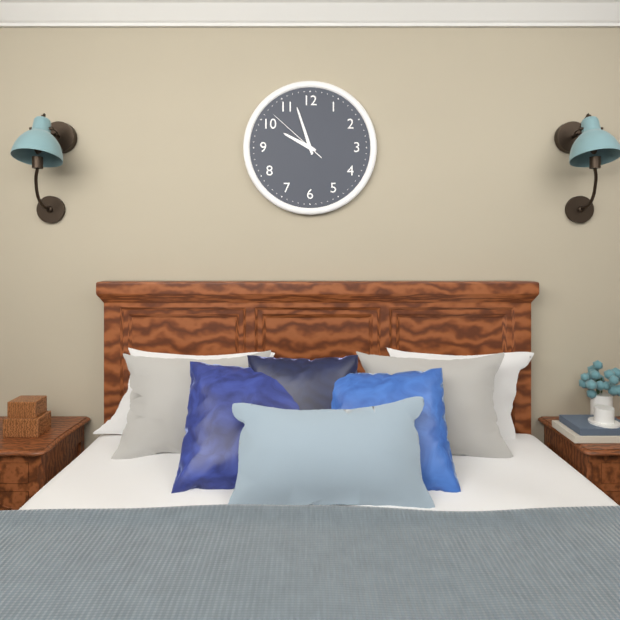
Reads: 9:57:52
